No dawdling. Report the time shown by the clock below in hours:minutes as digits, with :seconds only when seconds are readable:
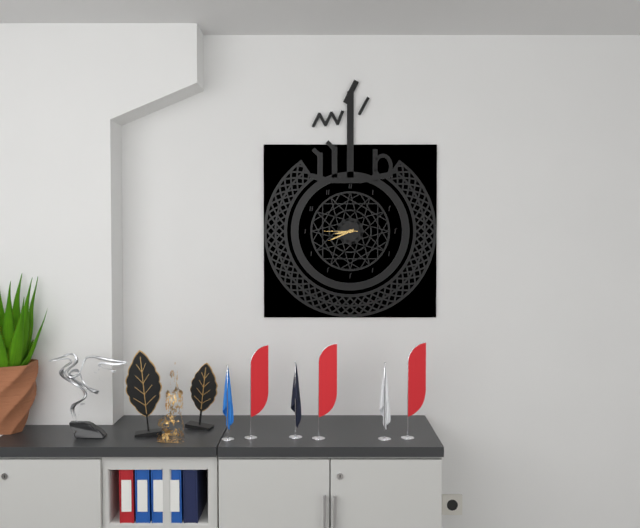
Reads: 8:41
